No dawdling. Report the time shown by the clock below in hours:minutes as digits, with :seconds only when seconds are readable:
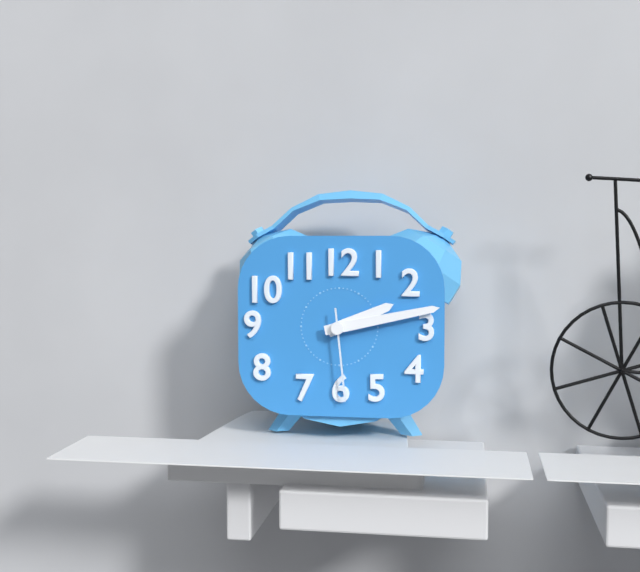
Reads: 2:13:29
